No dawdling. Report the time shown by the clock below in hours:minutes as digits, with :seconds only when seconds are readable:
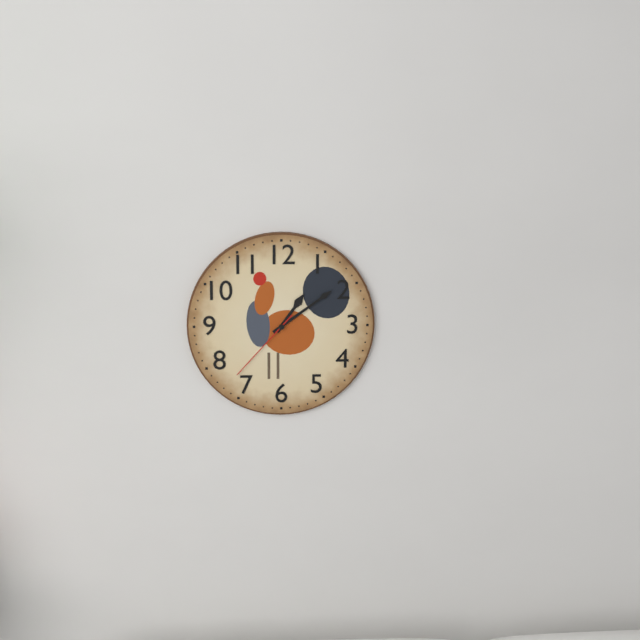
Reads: 1:09:37
